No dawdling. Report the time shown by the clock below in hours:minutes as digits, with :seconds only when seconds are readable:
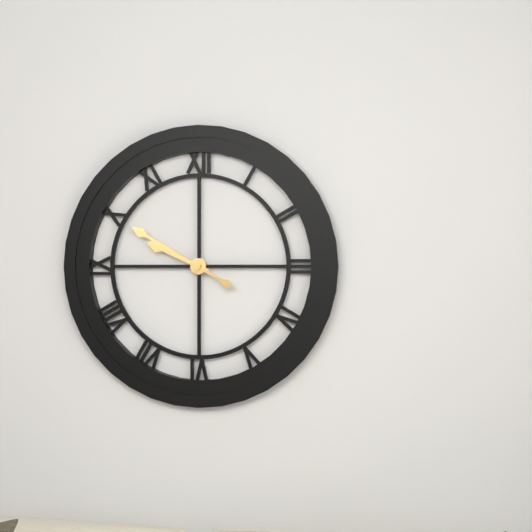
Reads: 9:50
